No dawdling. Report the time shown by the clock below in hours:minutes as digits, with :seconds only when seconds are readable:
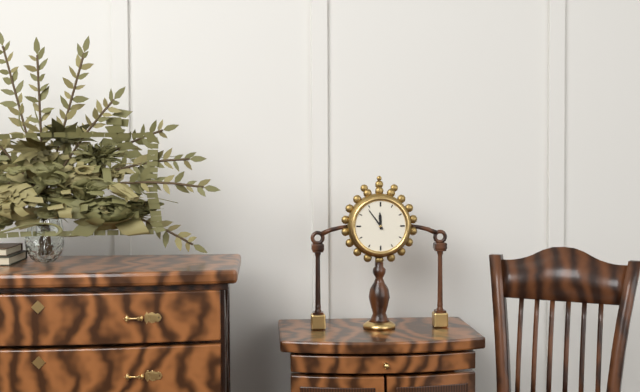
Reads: 11:54
